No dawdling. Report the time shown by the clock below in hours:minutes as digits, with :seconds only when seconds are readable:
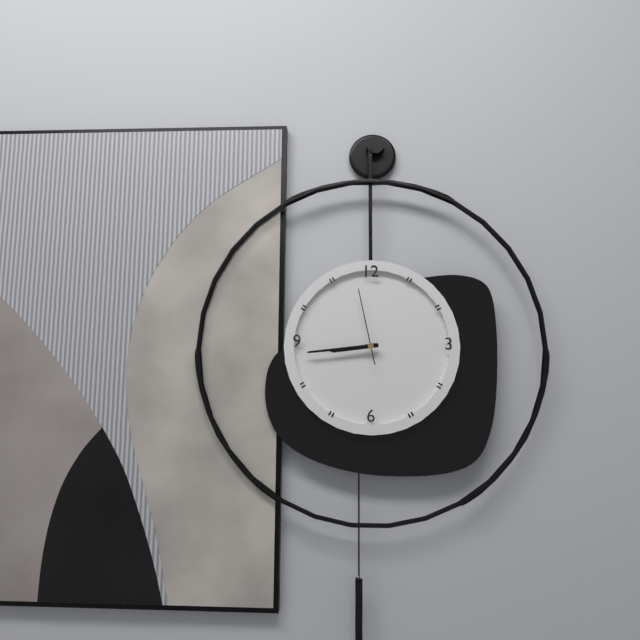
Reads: 8:44:58
